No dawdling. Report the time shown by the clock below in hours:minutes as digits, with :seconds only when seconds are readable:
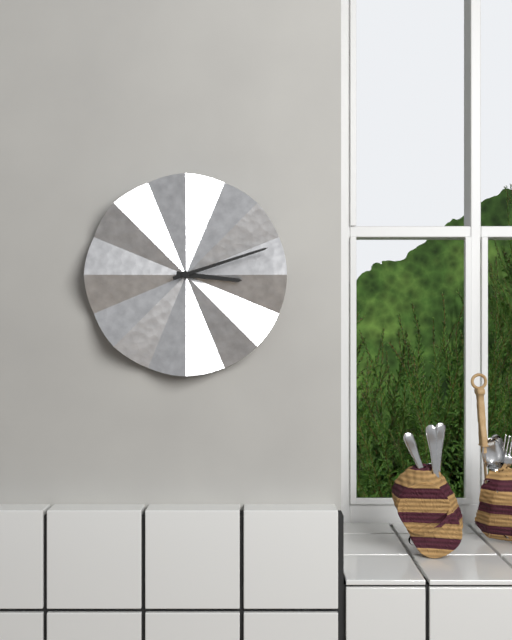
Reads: 3:12
